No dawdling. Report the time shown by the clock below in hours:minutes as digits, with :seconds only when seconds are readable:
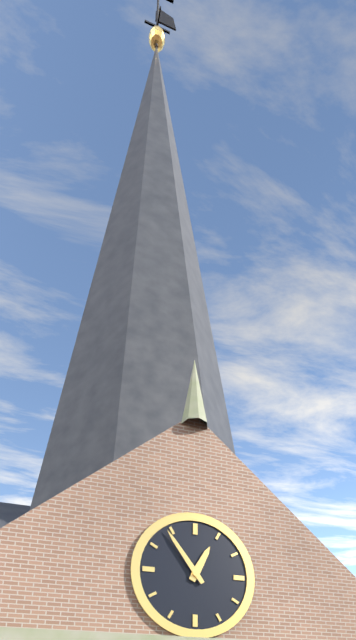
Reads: 12:54
